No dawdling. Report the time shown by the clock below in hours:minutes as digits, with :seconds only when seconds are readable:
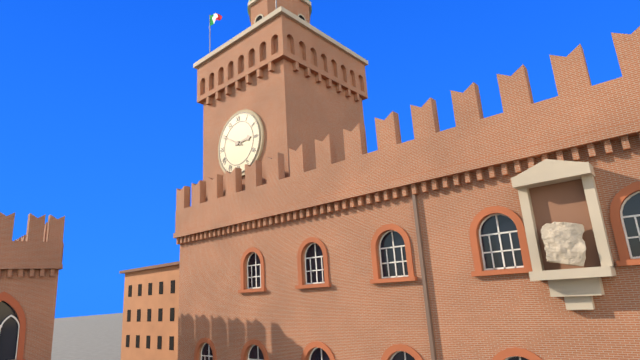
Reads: 2:50
